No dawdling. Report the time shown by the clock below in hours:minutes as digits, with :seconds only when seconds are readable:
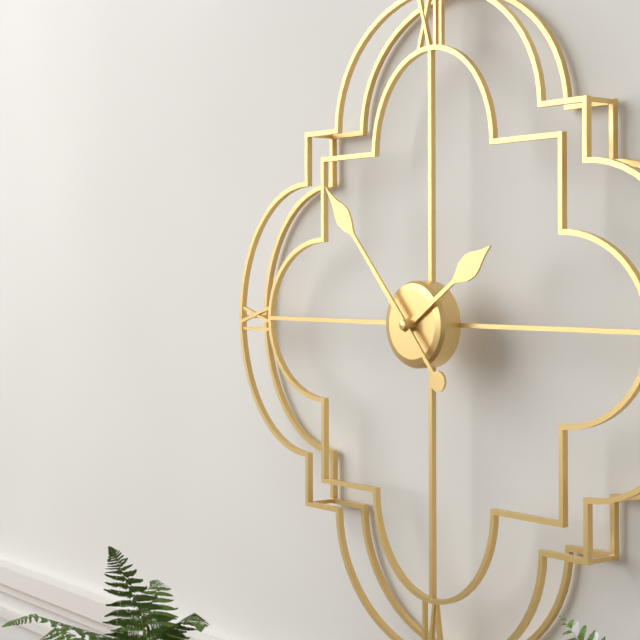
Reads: 1:53
